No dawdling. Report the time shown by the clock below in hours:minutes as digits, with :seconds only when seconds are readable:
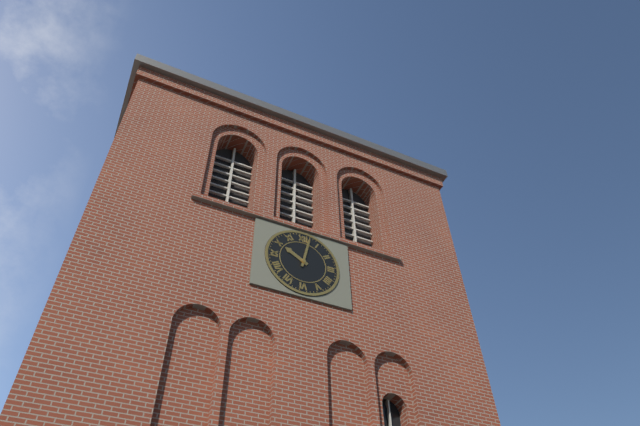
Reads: 10:02
